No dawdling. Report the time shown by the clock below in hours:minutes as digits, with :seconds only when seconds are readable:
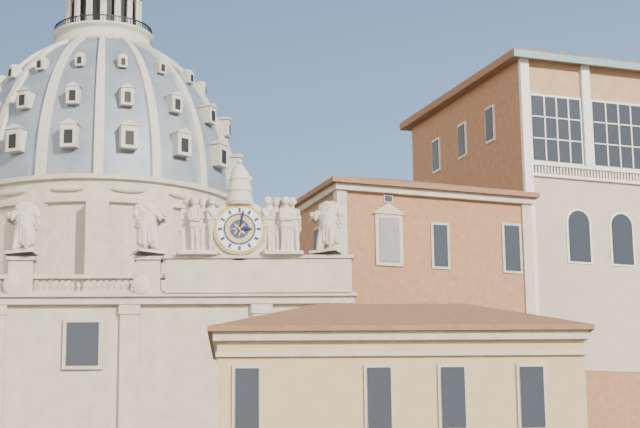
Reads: 3:02
